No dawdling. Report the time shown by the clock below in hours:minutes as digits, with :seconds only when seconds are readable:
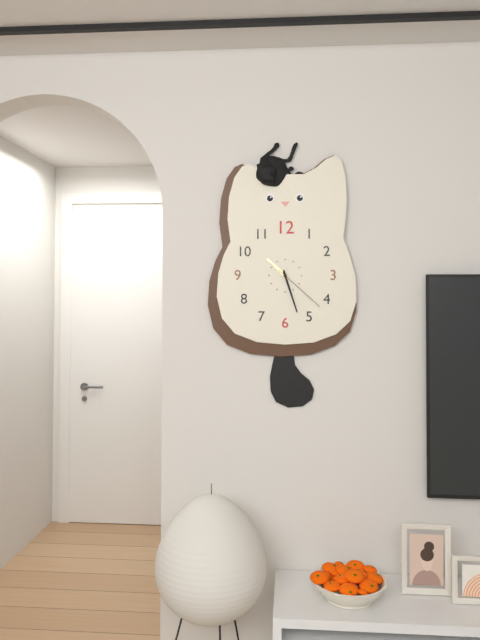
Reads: 10:27:22
